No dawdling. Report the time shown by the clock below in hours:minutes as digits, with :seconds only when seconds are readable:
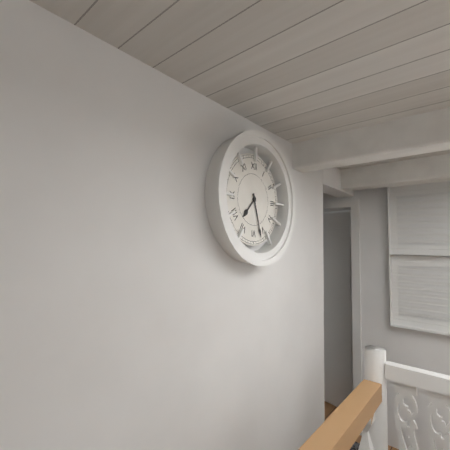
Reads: 7:27
